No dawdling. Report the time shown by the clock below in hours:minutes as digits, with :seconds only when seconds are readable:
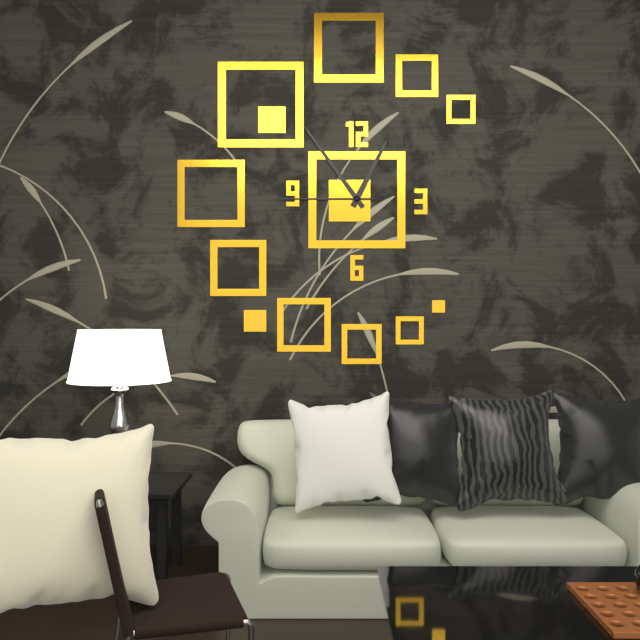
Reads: 12:54:45
